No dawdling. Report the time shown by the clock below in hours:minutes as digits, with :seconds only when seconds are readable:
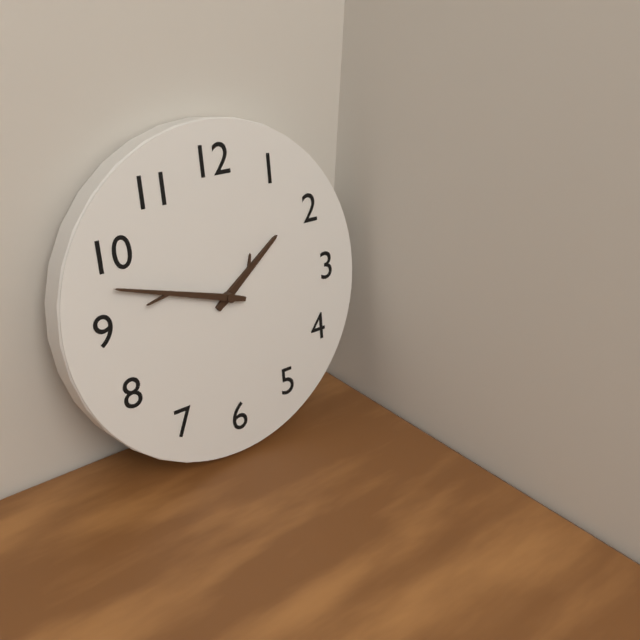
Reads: 1:48
